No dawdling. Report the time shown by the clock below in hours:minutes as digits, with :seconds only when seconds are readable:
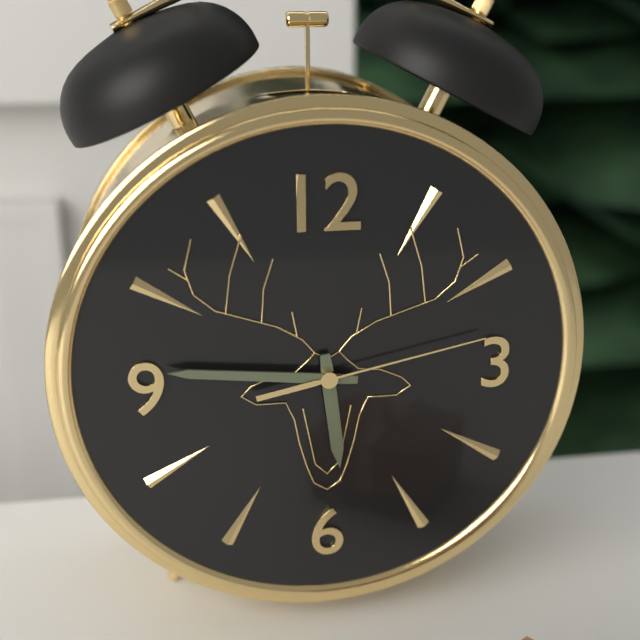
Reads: 5:46:13
